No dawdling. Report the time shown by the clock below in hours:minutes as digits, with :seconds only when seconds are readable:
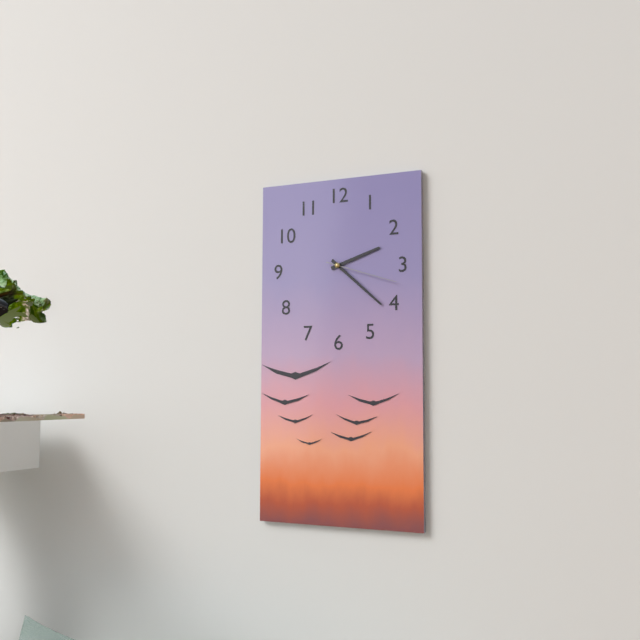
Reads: 2:22:18
